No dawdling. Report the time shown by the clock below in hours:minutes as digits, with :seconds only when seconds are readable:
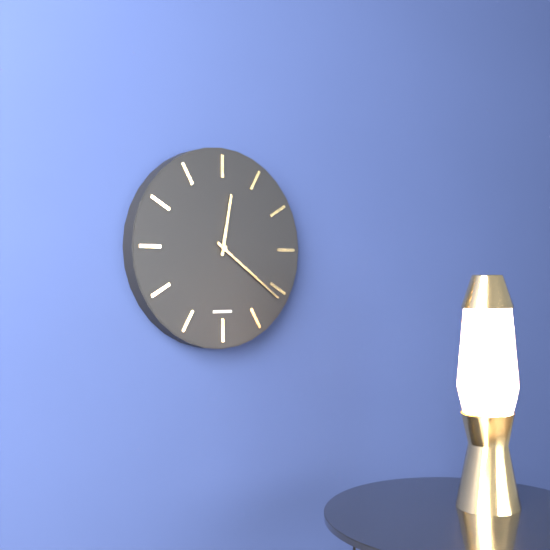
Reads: 12:21
